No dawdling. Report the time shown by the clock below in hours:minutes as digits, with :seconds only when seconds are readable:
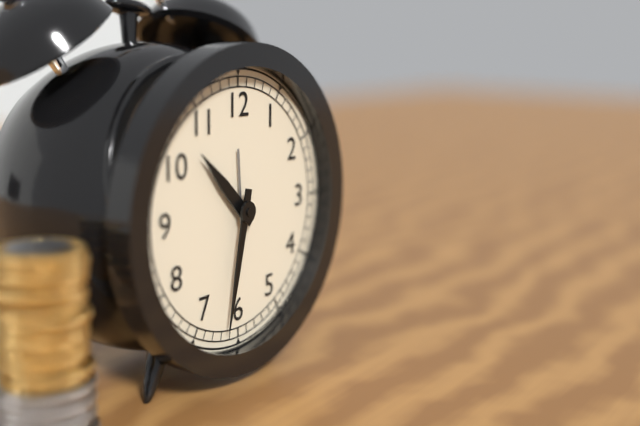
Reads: 10:32
